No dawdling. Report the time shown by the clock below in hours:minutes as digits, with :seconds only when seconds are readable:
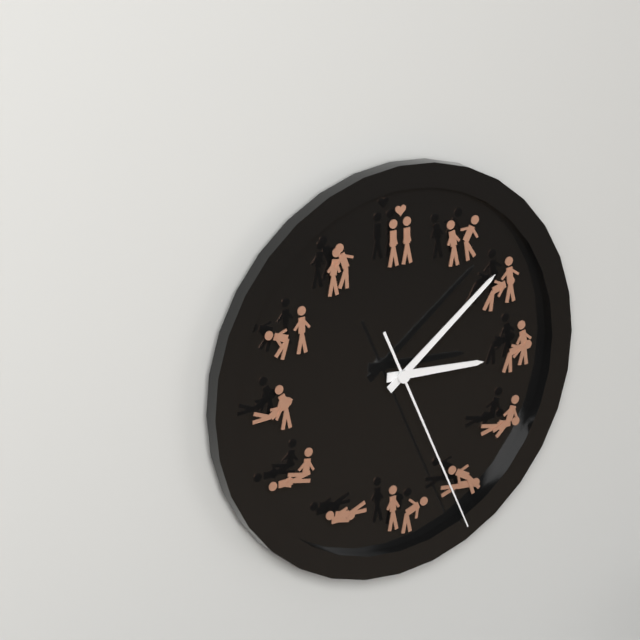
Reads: 3:09:26
